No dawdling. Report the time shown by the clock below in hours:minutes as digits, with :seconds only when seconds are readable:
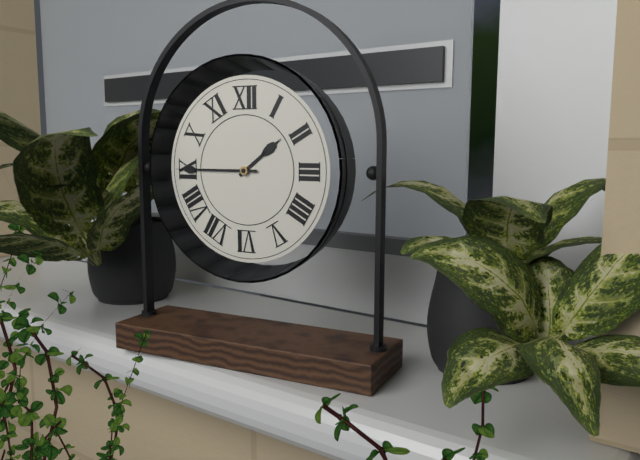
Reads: 1:45
